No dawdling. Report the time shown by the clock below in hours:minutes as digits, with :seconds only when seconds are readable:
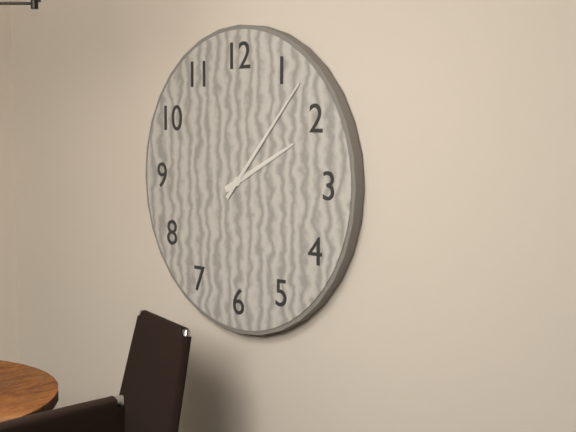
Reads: 2:07
